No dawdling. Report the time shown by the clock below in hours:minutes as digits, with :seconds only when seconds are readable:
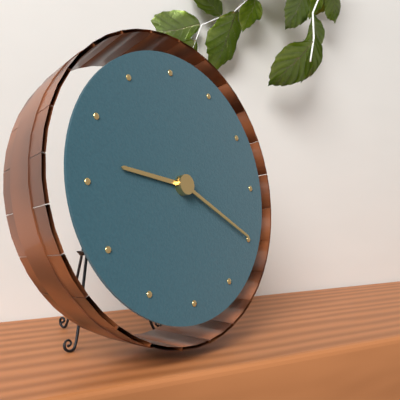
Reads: 9:20
